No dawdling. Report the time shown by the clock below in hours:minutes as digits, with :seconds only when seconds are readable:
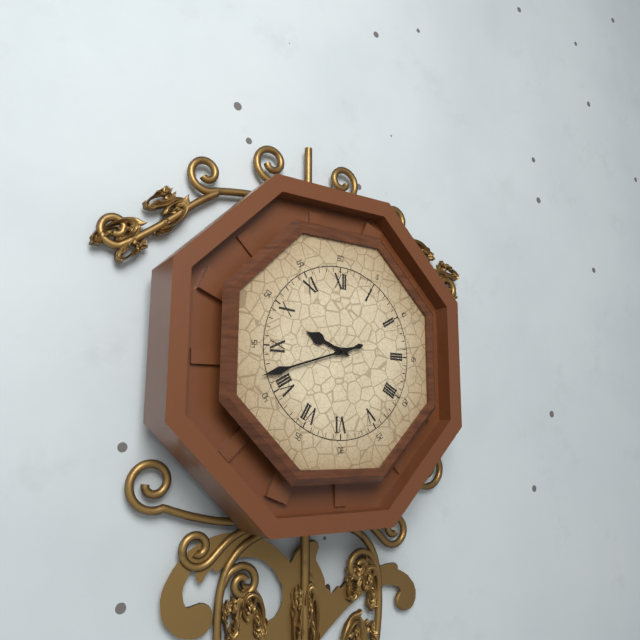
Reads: 9:42
